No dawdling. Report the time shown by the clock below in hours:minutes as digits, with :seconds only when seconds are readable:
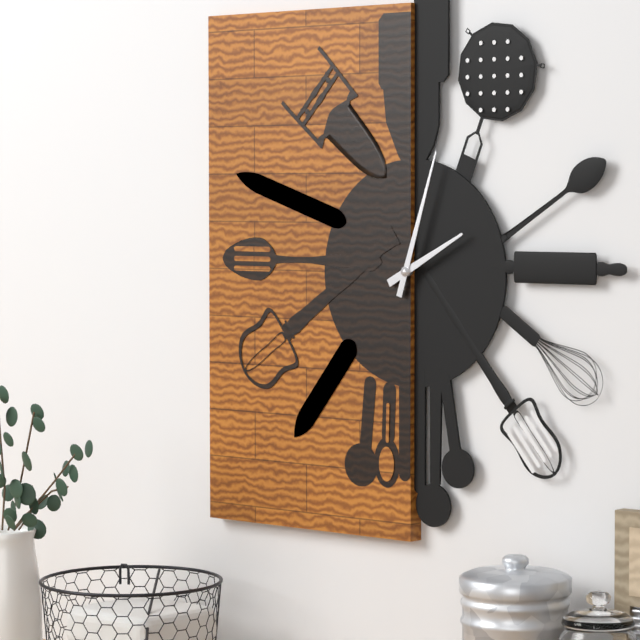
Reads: 2:03
